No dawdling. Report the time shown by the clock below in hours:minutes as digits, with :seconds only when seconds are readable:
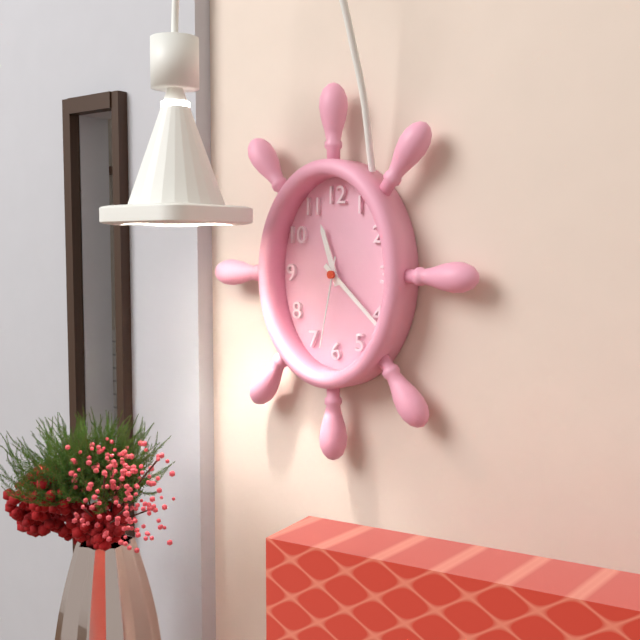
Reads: 11:22:32
